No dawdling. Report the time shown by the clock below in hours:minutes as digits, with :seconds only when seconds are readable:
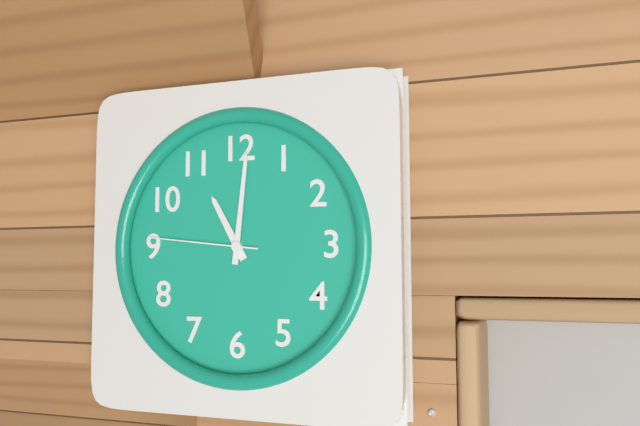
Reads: 11:01:46
